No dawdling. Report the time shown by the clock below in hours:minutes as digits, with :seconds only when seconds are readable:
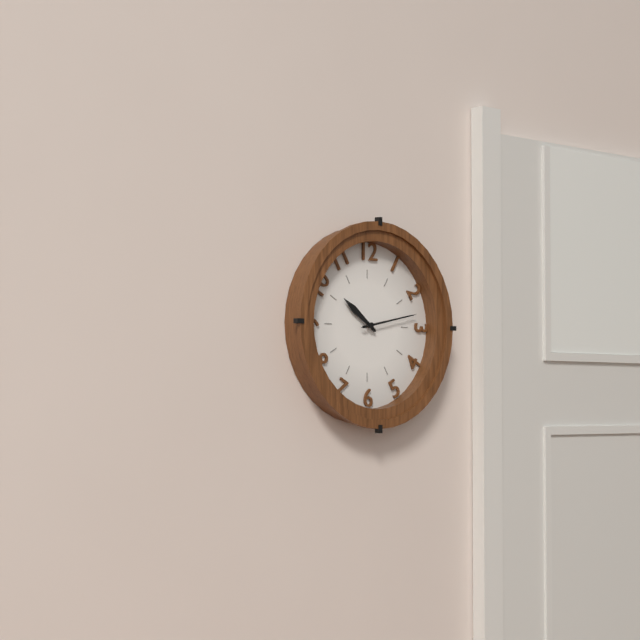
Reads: 10:13
